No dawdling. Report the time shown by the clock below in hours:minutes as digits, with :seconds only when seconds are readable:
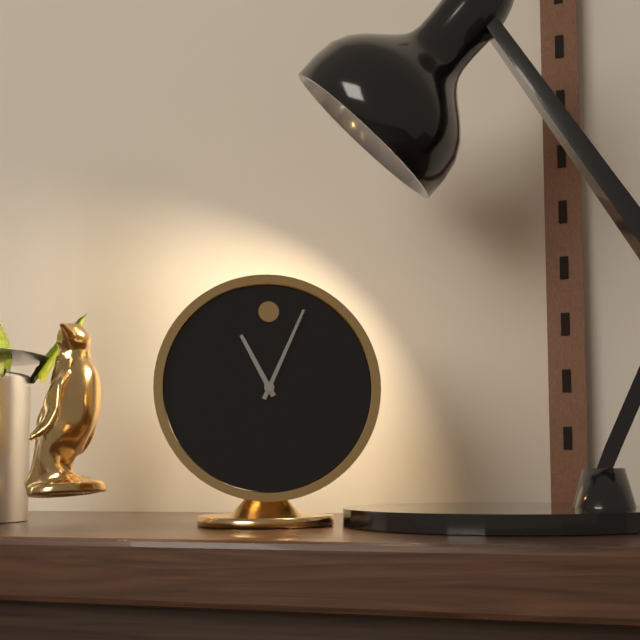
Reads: 11:04
